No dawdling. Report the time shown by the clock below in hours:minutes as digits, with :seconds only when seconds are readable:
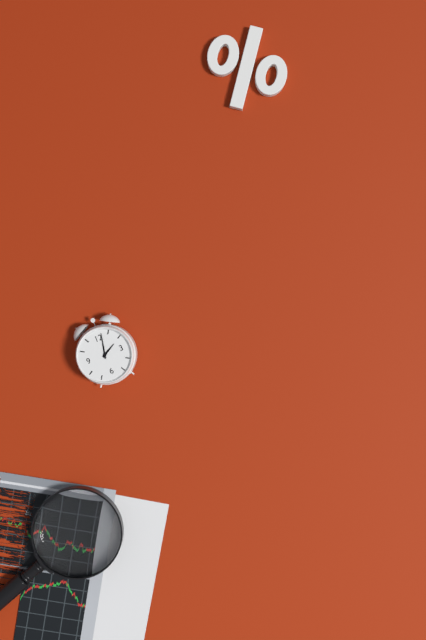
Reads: 2:02
